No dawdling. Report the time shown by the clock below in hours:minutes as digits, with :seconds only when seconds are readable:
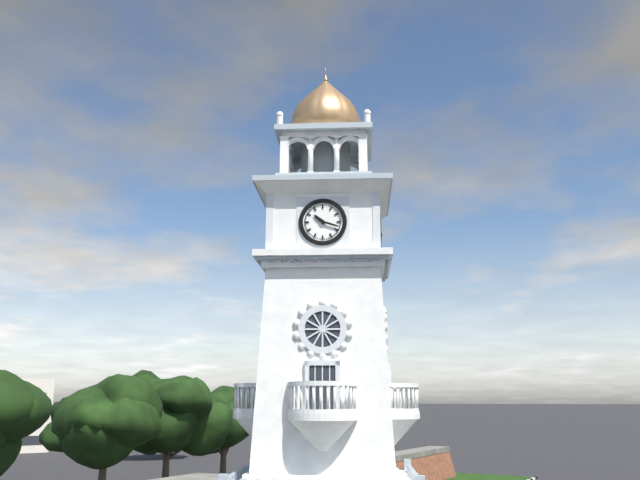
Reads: 10:18
